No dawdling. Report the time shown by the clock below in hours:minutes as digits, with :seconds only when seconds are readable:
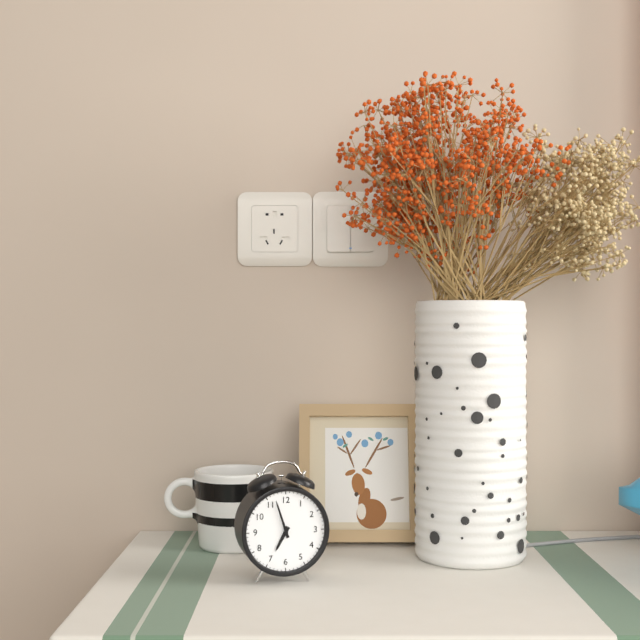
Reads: 6:57
